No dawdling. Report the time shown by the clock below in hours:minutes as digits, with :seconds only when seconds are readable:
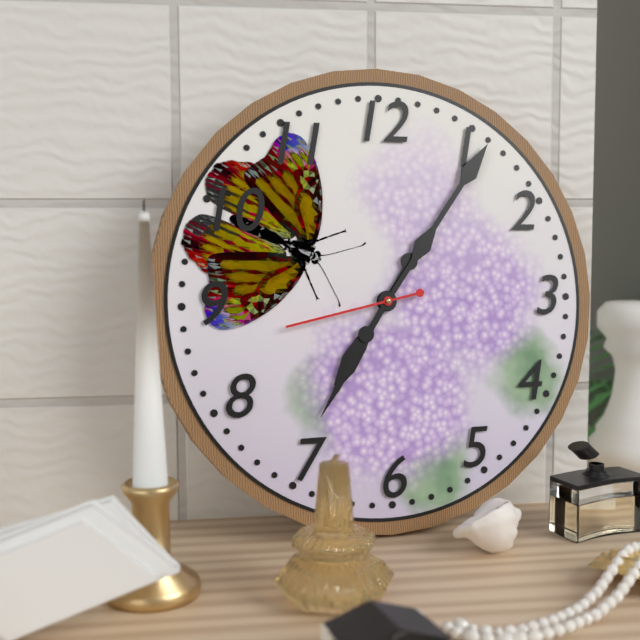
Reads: 7:06:43
